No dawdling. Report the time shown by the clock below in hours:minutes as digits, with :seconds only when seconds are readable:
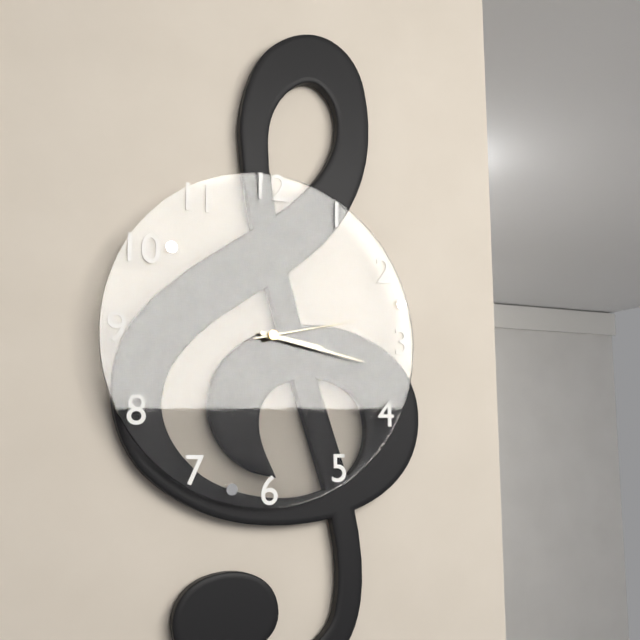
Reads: 3:17:13
